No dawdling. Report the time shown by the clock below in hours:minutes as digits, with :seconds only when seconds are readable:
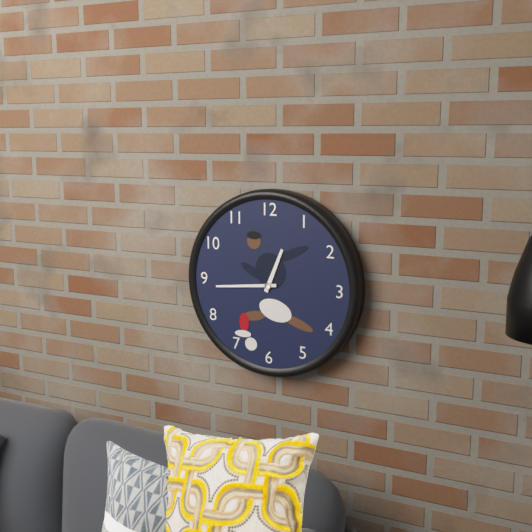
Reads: 12:44
